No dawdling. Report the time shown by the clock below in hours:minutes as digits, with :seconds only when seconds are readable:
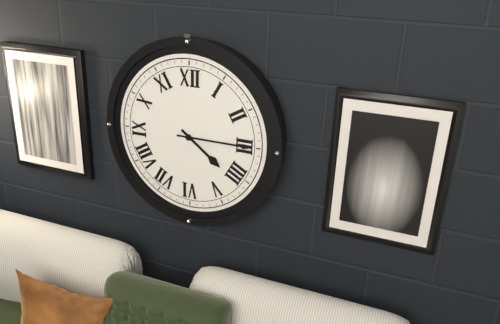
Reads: 4:15
